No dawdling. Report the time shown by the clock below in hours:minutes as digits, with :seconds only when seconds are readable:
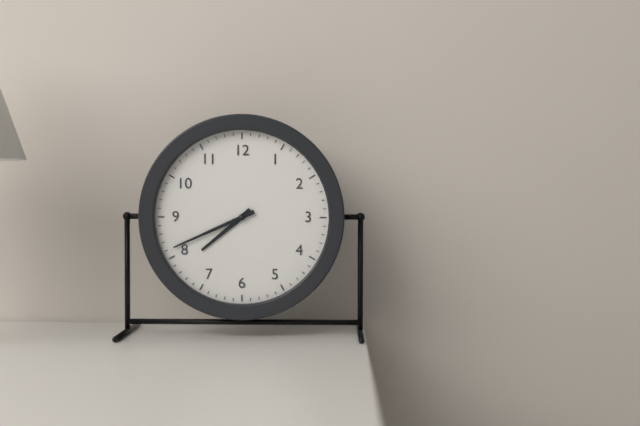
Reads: 7:41
